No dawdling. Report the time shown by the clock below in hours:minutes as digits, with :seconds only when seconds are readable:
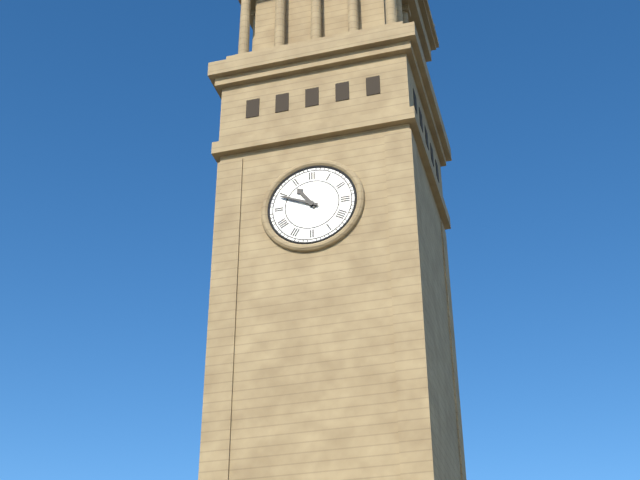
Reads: 10:49
